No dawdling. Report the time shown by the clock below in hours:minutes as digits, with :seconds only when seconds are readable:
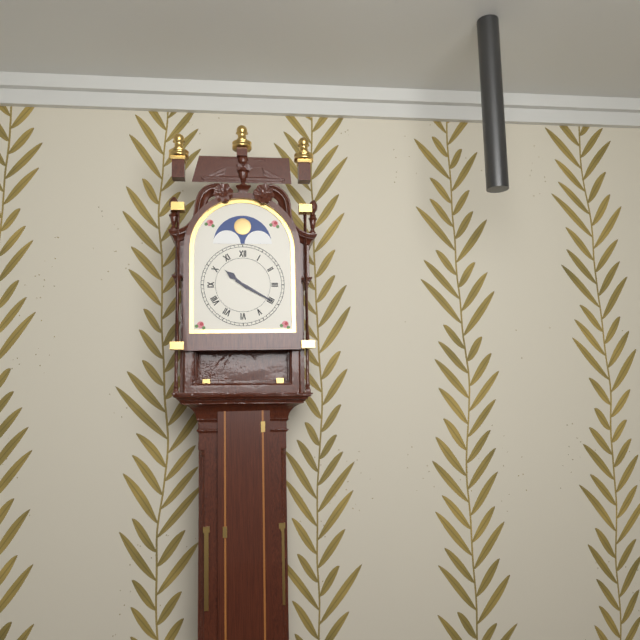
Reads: 10:20
